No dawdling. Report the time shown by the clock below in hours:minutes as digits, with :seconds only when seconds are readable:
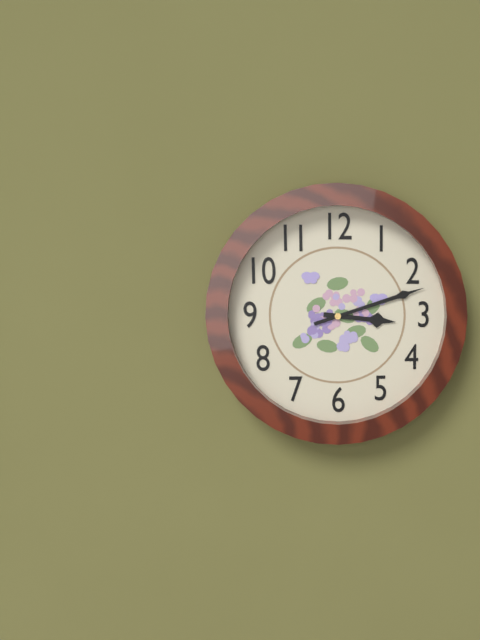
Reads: 3:12
